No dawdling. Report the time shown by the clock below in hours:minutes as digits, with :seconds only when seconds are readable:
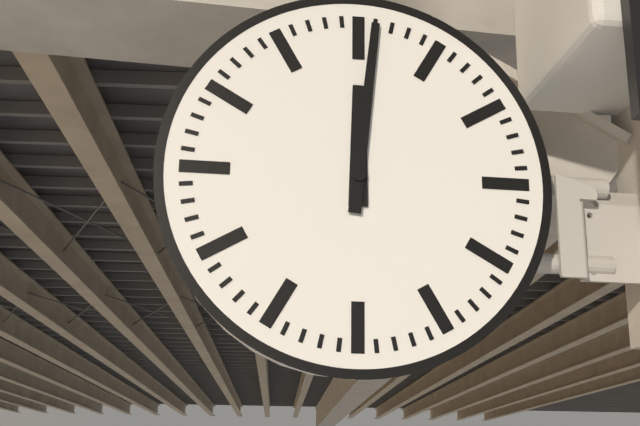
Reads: 12:01
